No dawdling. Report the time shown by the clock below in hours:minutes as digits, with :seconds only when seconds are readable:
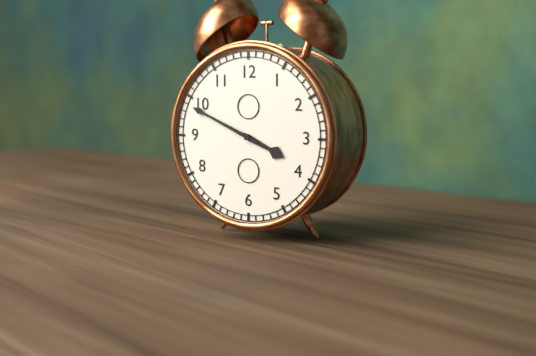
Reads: 3:49
